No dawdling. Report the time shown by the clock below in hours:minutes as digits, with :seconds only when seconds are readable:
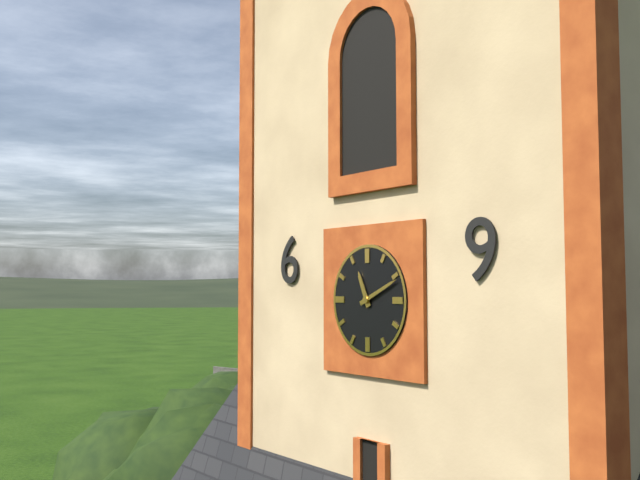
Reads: 11:11
